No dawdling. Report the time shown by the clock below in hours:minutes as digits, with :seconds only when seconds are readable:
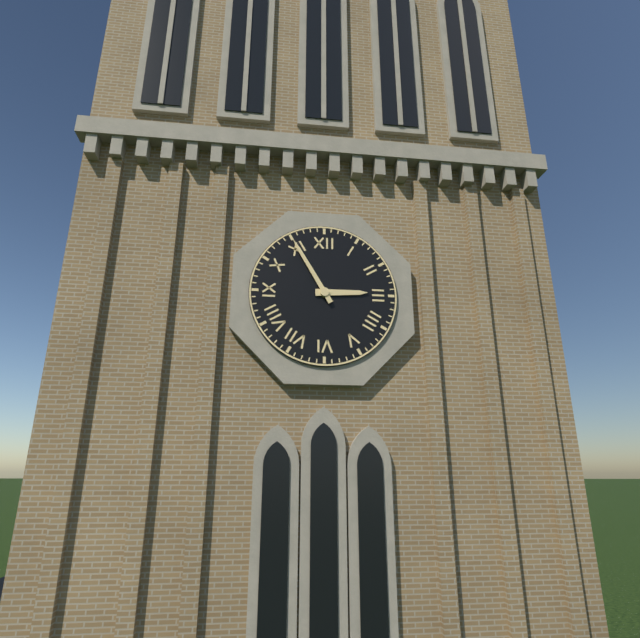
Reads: 2:55
